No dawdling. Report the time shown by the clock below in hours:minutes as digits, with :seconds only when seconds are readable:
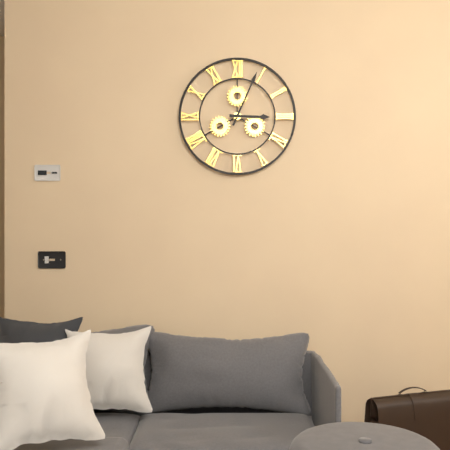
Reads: 3:04
